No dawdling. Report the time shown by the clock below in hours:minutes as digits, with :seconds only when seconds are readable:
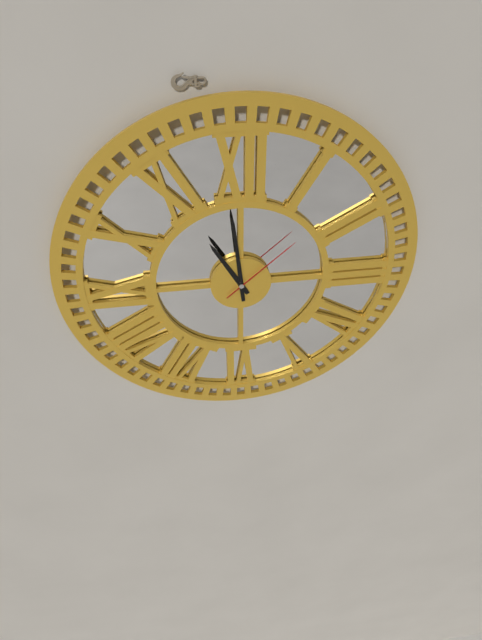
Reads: 10:59:08
